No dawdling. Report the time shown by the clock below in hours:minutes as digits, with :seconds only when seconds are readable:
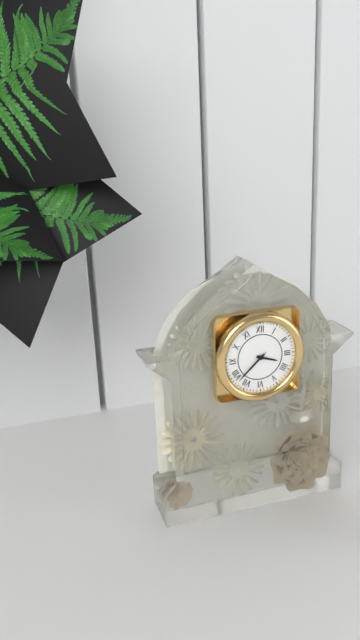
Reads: 3:38
